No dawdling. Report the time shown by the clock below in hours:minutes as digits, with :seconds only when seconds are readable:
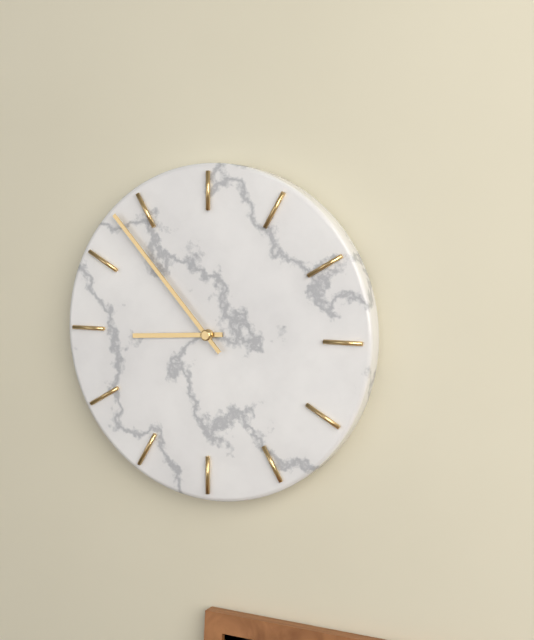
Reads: 8:53
